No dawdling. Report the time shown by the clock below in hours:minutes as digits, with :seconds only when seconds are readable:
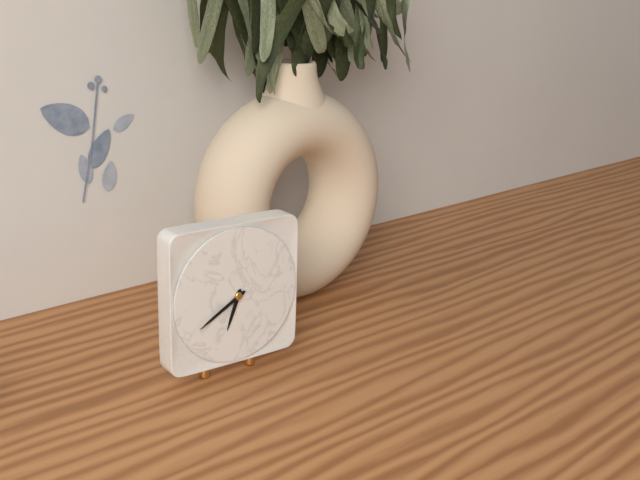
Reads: 6:40
